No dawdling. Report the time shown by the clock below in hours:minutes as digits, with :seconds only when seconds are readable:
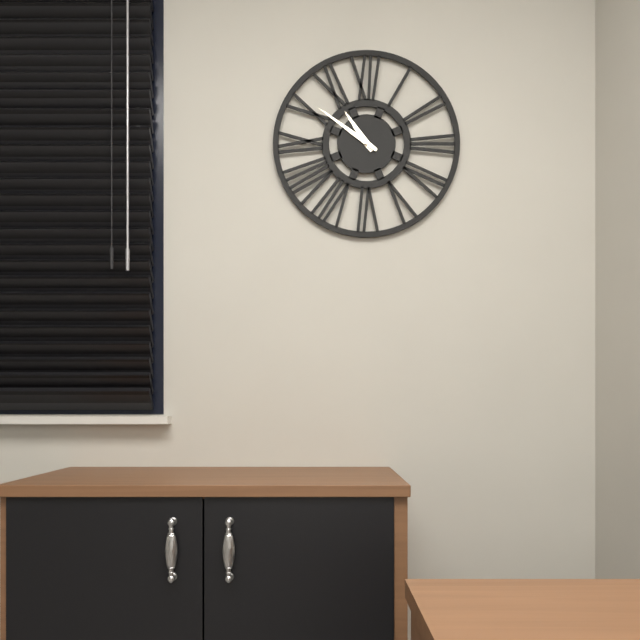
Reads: 10:51
